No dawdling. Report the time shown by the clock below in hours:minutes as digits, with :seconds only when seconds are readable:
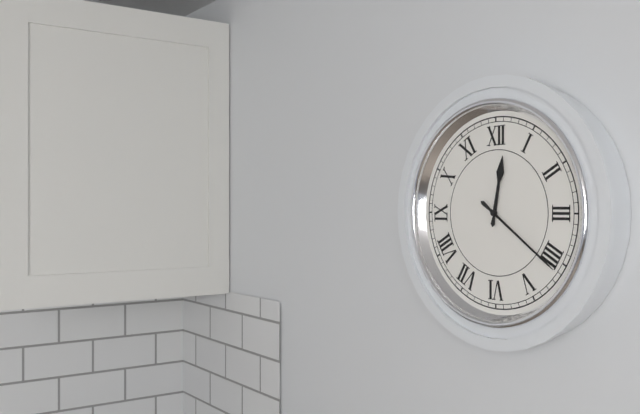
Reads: 12:21
